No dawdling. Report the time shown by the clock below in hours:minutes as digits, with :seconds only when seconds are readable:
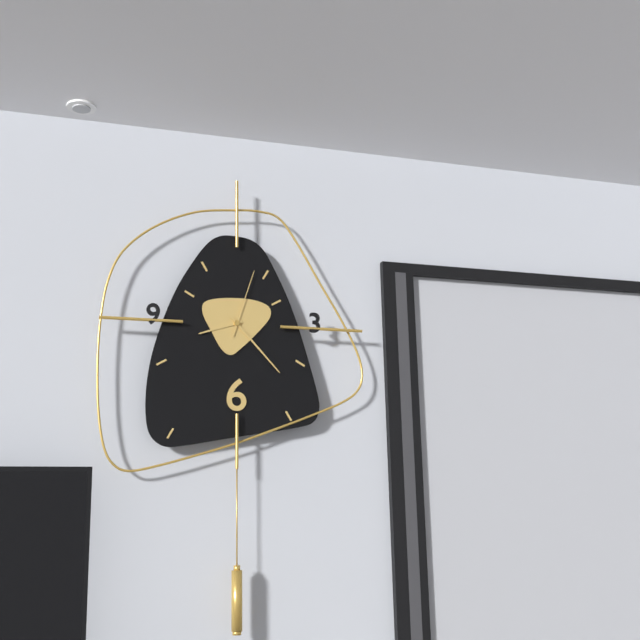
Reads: 8:23:03
